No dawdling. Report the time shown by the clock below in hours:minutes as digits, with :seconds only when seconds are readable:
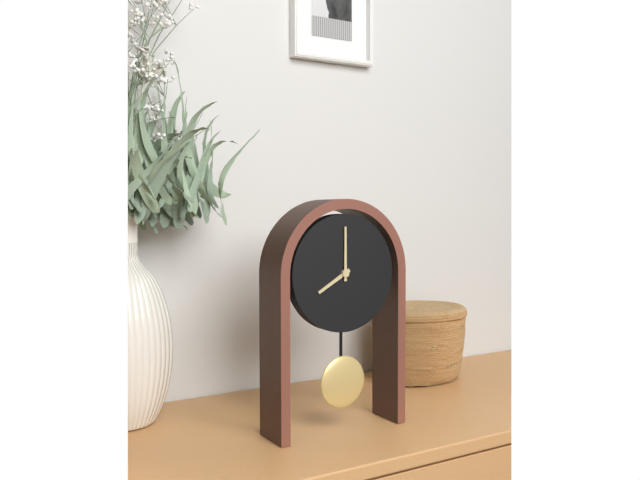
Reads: 8:00
